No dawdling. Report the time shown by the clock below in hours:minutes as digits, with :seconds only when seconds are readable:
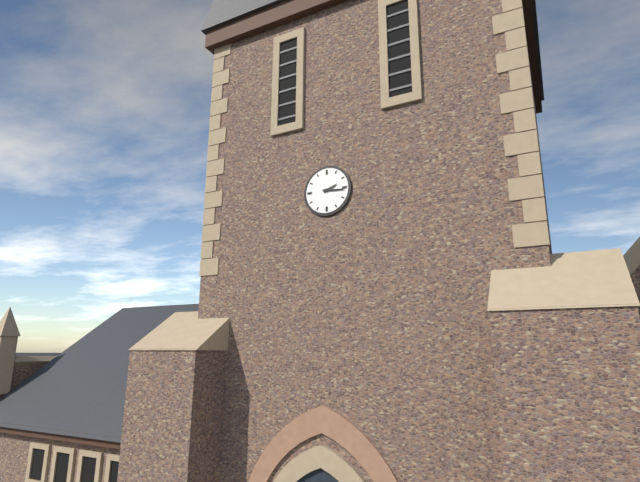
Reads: 2:16
